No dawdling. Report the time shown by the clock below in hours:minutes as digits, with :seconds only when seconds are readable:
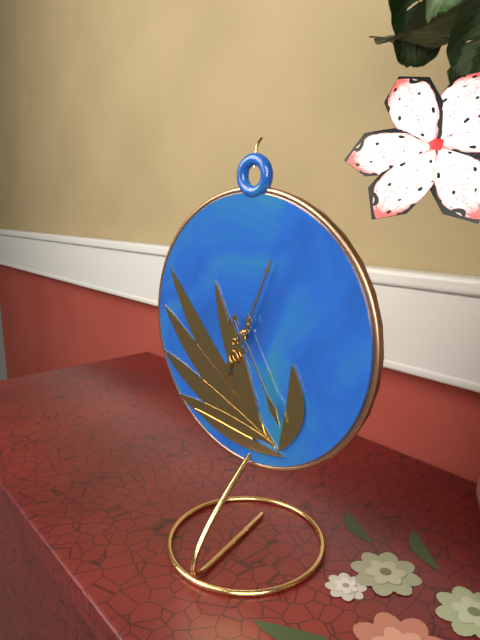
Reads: 7:04:25
